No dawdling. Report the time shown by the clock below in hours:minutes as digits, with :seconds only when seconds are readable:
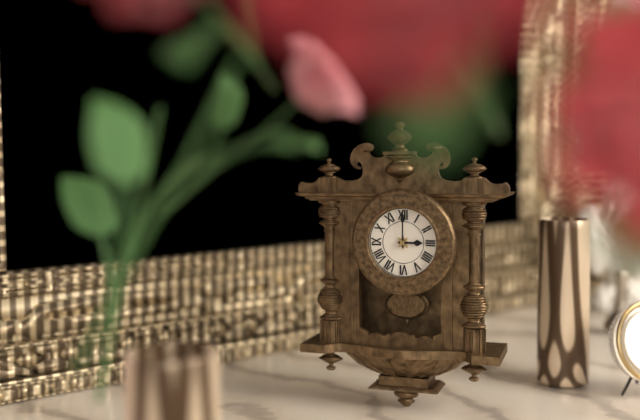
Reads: 3:00
